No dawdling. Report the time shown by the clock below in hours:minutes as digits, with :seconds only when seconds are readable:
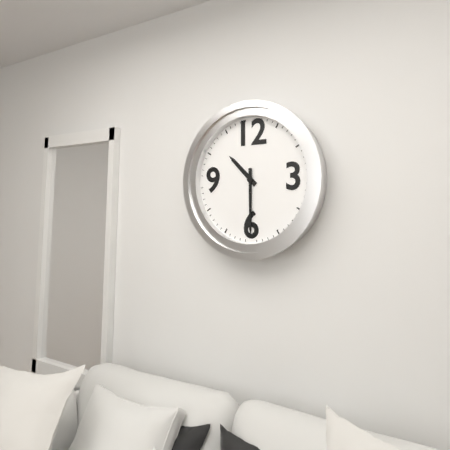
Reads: 10:30
